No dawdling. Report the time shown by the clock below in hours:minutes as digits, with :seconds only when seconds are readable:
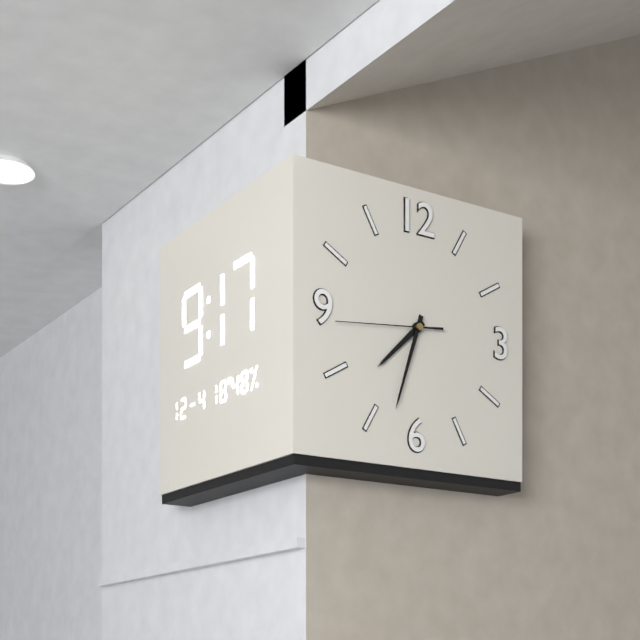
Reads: 7:33:44
